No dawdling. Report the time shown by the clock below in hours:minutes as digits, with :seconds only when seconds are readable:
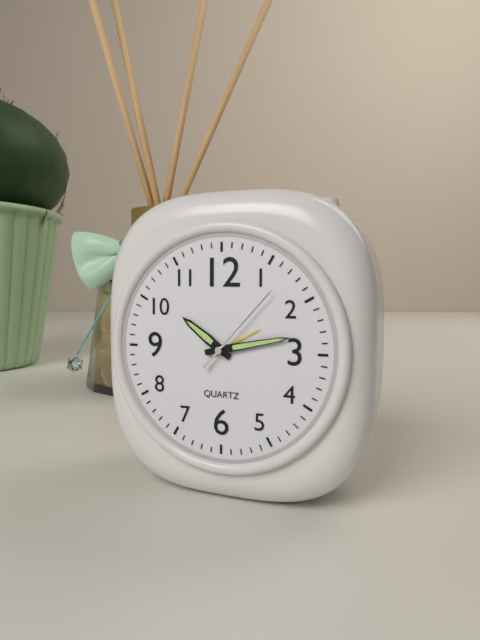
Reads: 10:13:07
